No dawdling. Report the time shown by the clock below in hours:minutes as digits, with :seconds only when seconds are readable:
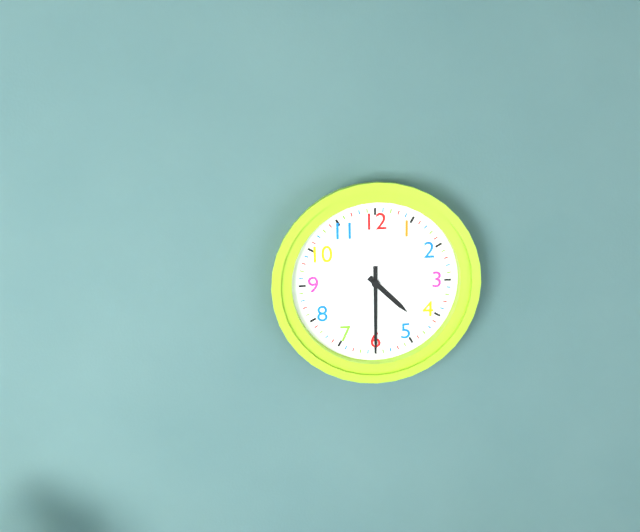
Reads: 4:30
